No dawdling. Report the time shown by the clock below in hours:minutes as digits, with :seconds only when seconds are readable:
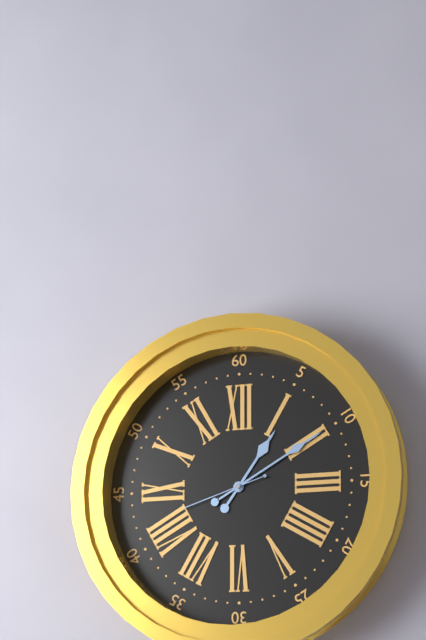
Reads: 1:10:42
